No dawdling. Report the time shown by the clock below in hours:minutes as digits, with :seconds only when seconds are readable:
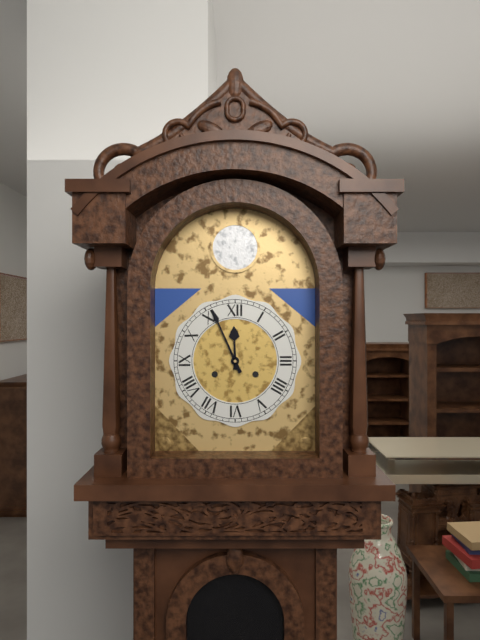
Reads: 11:56
